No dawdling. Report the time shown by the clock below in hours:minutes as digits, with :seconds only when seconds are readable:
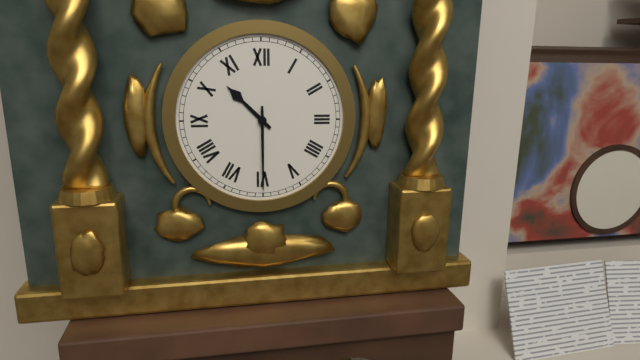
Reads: 10:30
